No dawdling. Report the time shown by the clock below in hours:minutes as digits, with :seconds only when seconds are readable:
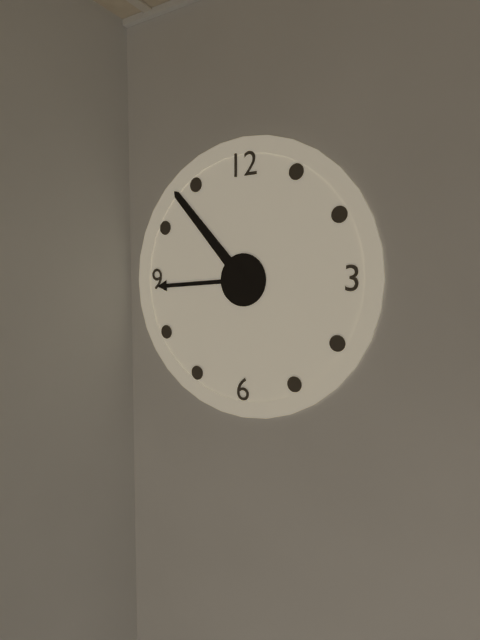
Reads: 8:53
